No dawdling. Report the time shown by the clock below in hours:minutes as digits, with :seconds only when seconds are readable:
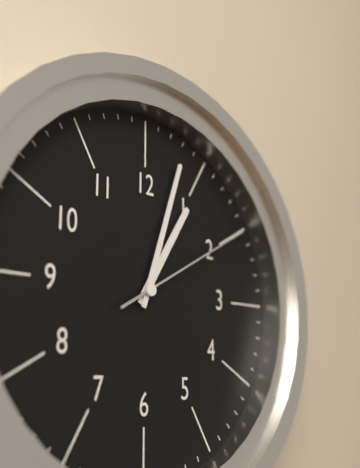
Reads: 1:03:10
